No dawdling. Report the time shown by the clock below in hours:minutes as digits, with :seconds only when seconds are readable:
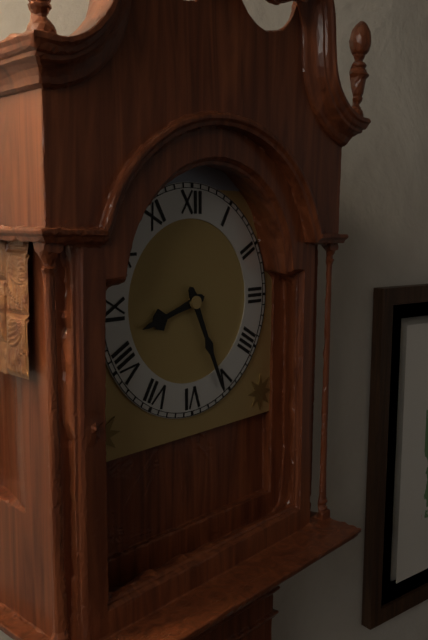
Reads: 8:26
